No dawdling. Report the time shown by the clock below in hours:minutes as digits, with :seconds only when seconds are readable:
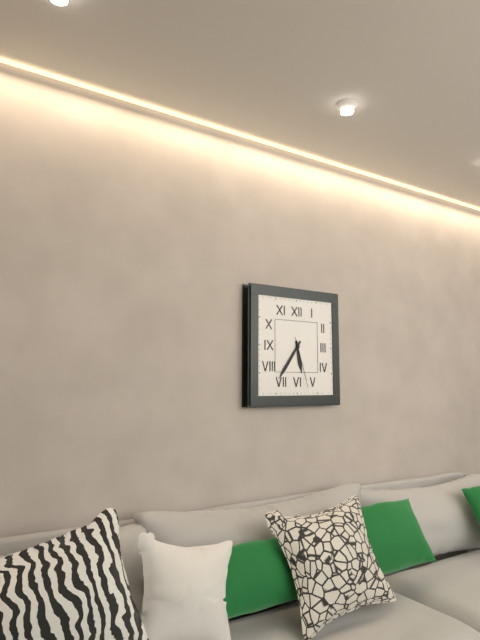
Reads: 5:36:27
